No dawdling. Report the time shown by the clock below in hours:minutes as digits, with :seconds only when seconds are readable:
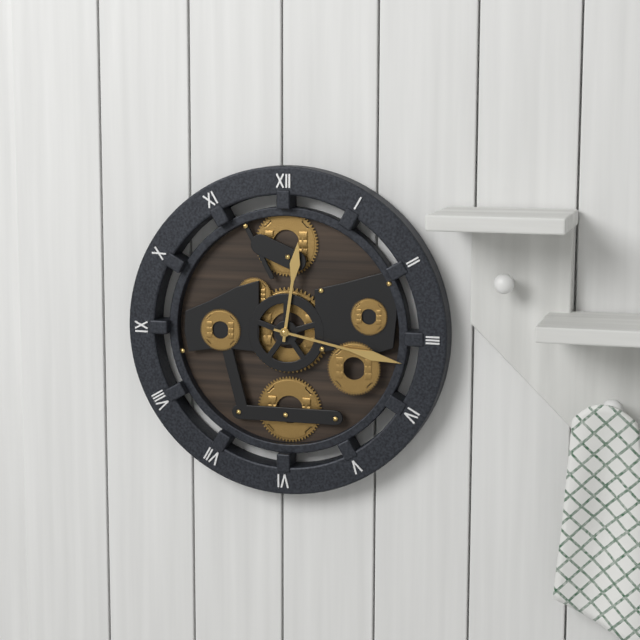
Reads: 12:17
